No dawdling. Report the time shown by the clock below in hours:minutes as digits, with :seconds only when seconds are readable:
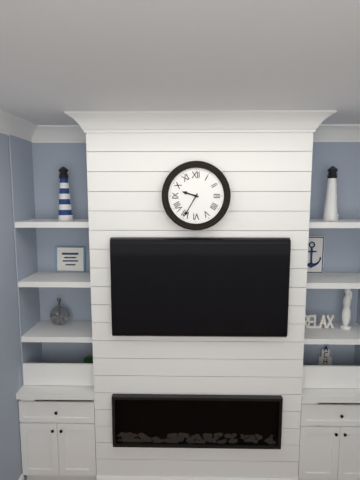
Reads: 9:35
